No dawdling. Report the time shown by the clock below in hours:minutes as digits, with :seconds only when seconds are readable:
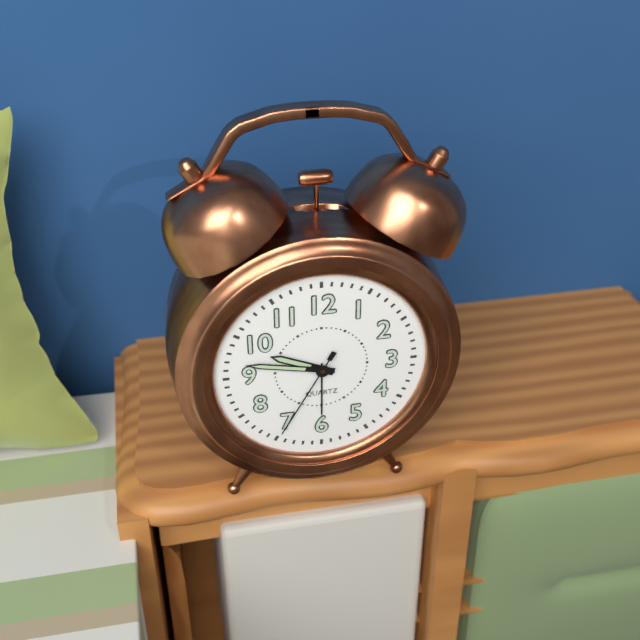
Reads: 9:47:35
